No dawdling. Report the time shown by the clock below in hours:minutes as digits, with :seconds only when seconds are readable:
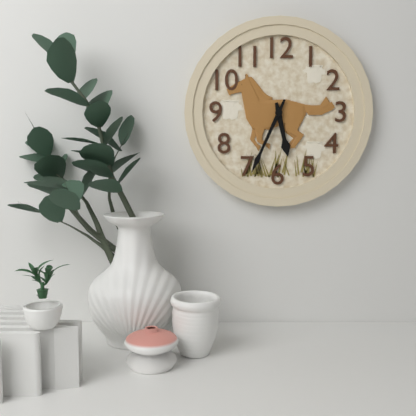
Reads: 5:34
